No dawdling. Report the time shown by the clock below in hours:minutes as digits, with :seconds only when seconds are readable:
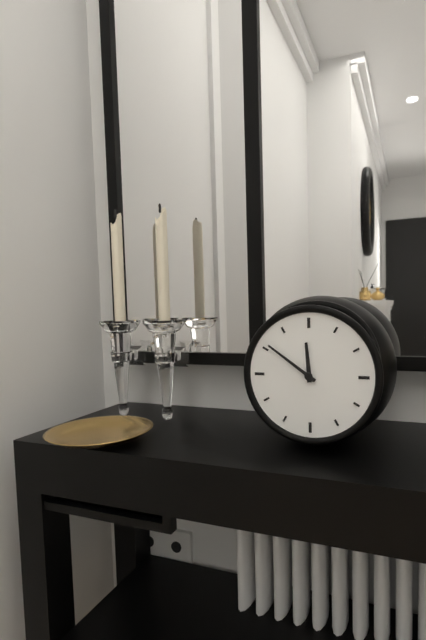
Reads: 11:51
